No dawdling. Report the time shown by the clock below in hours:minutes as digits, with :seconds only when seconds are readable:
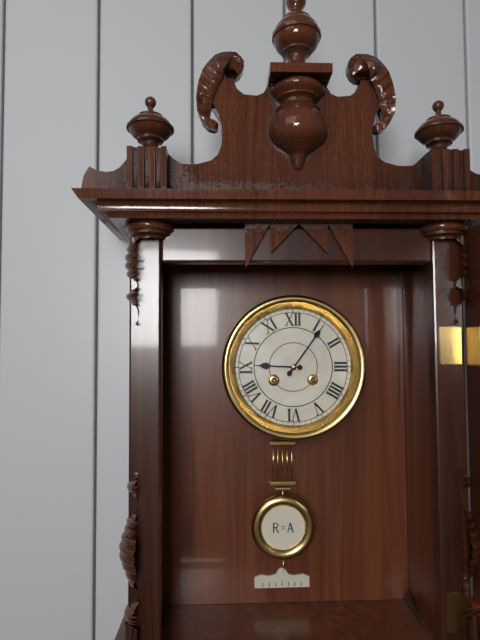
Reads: 9:06
